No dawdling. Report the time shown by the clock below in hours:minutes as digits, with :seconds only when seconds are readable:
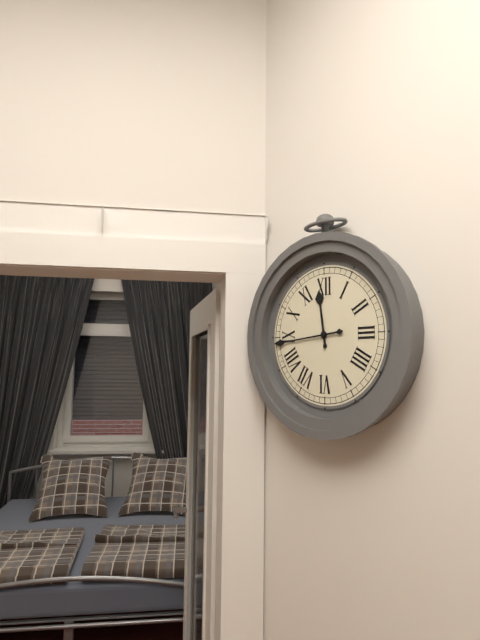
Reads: 11:44
